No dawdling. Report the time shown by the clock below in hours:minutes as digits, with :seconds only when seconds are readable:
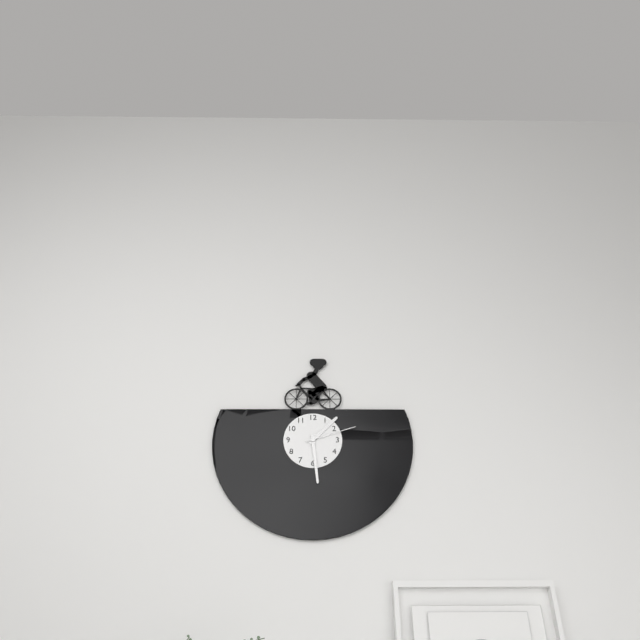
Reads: 1:29:12
